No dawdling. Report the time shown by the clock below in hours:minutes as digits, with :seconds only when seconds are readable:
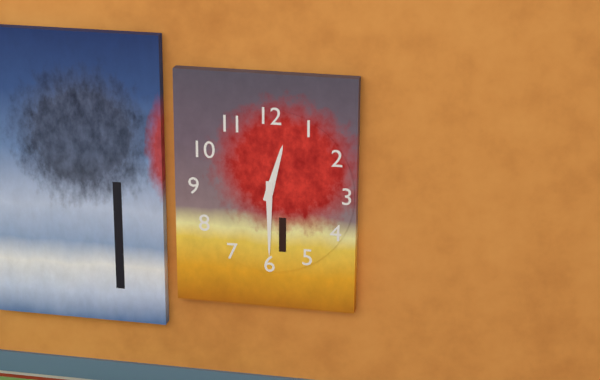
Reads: 12:30
